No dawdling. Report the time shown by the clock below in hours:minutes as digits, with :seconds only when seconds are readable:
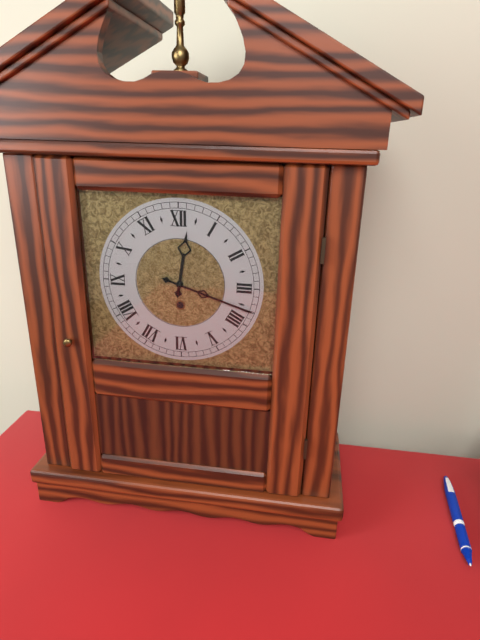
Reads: 12:18
